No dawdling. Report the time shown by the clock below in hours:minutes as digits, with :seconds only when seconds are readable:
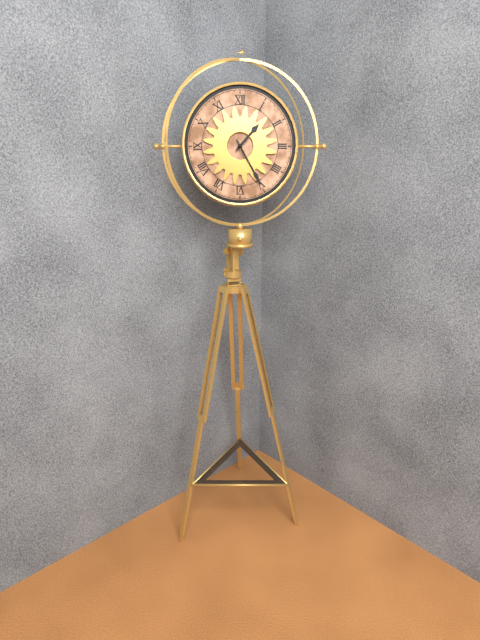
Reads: 1:25
